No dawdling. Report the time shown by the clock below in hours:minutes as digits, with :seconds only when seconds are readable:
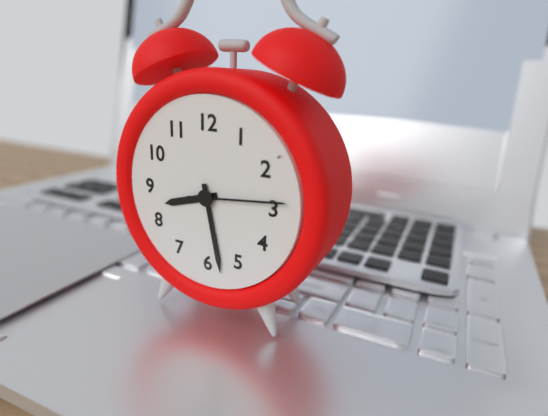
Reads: 8:28:14
